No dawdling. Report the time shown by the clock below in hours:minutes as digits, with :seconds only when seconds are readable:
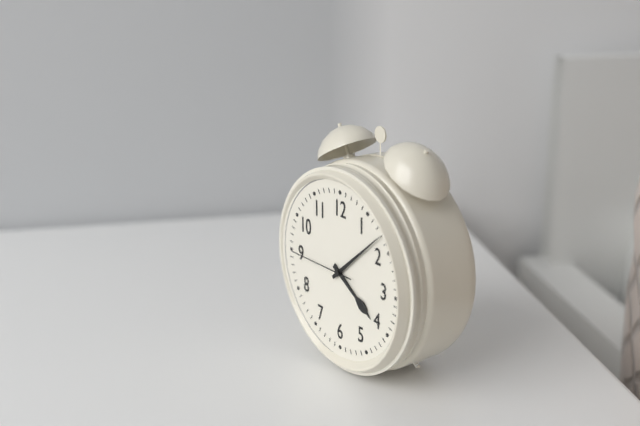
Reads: 4:08:45
